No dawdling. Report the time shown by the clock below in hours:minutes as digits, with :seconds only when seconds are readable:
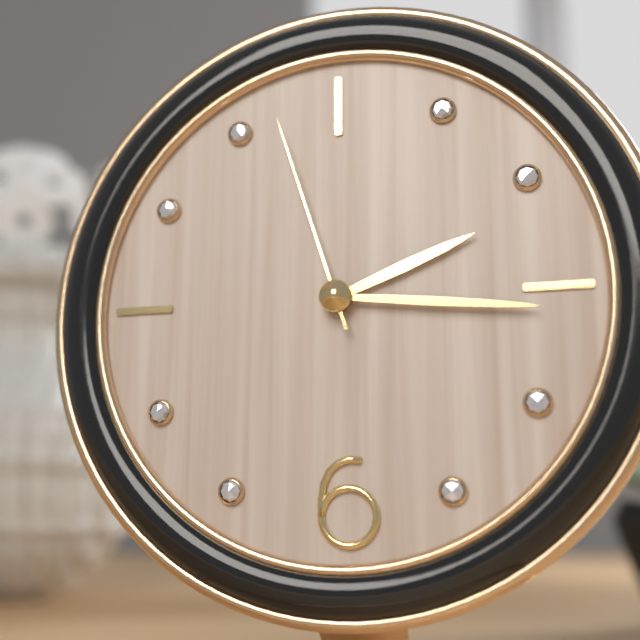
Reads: 2:16:57
